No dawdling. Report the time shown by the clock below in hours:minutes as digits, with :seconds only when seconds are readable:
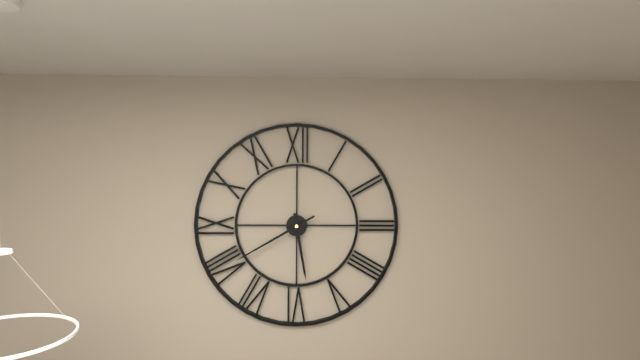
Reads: 5:40
